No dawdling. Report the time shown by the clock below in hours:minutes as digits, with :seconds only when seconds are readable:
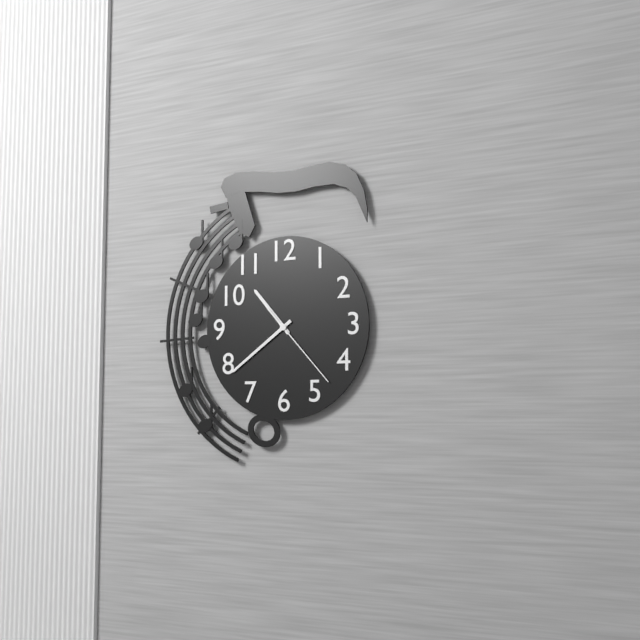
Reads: 10:39:23
